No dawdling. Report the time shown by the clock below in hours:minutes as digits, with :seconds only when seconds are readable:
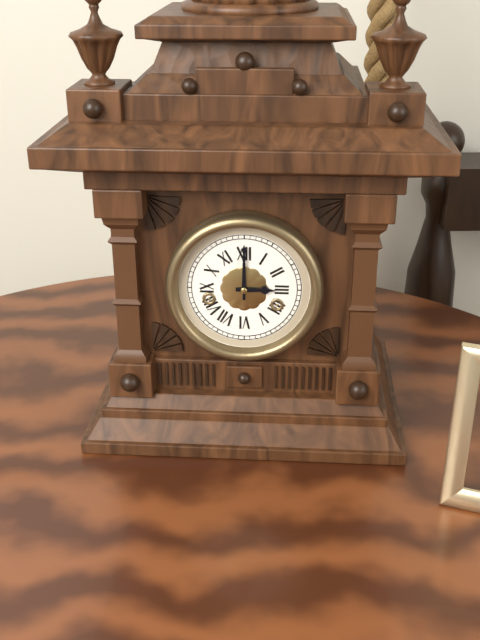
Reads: 3:00
